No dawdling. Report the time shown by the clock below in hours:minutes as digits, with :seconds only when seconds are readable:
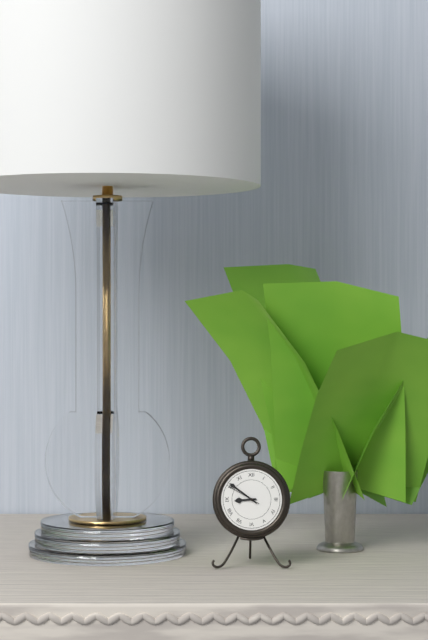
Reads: 8:51
